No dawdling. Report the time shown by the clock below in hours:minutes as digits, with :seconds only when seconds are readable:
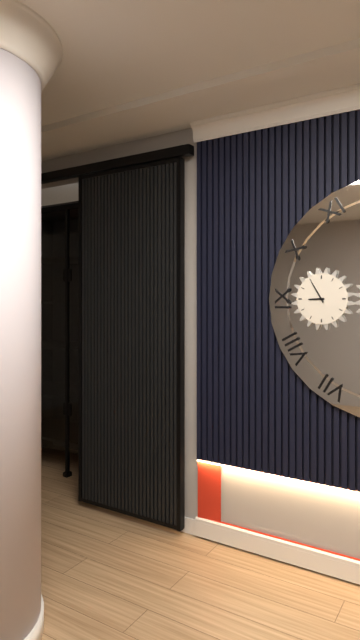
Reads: 8:55
